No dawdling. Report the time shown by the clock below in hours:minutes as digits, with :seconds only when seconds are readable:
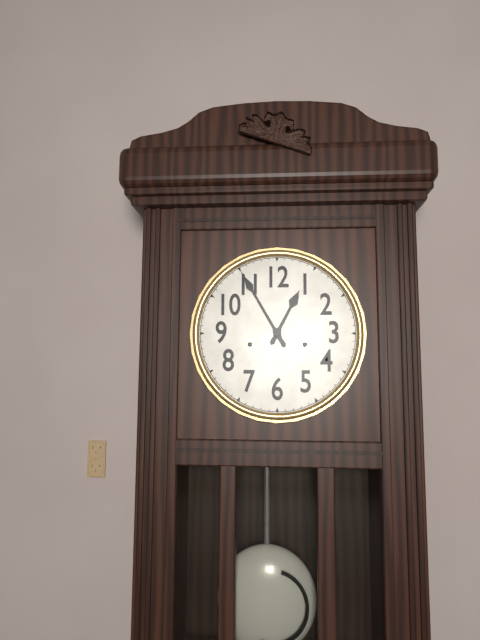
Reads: 12:55
